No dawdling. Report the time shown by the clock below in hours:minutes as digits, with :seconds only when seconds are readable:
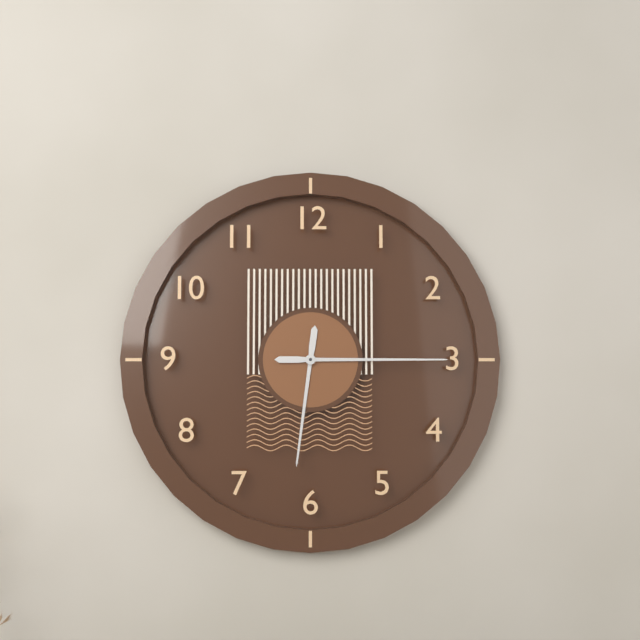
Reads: 6:15
